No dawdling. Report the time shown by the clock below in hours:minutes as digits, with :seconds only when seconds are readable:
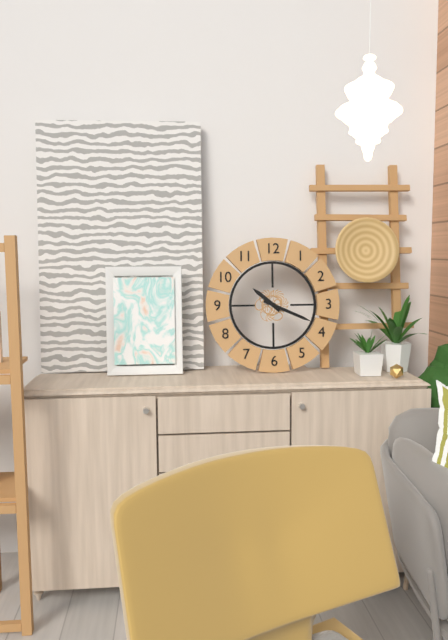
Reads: 10:19
